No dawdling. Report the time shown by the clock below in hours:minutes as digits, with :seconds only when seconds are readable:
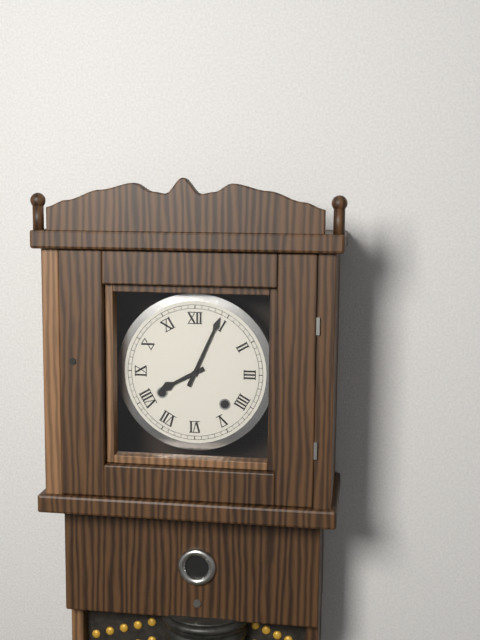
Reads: 8:04
